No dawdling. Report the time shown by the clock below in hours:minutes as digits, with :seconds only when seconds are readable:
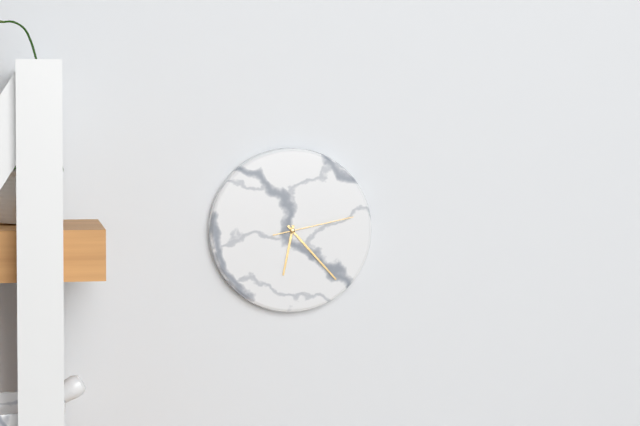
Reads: 6:23:13
